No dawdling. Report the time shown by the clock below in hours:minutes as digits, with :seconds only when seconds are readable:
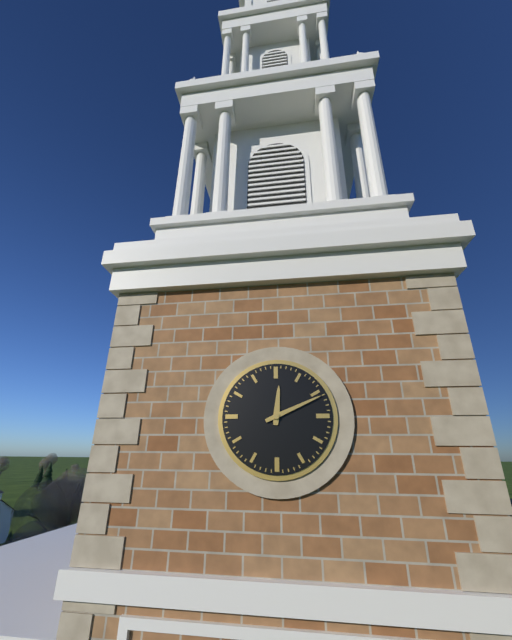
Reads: 12:11
